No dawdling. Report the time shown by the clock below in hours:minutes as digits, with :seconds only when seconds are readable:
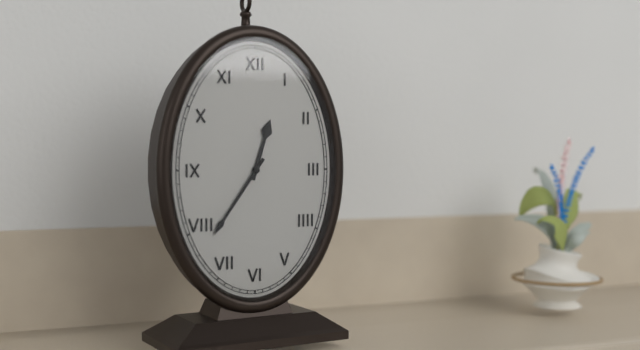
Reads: 12:36
